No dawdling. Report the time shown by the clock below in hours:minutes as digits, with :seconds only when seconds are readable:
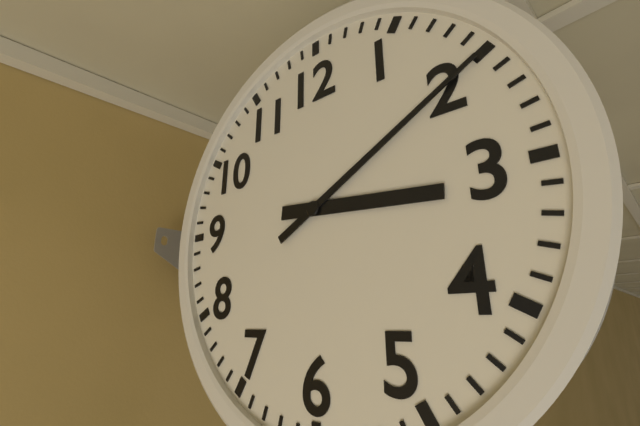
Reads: 3:10
